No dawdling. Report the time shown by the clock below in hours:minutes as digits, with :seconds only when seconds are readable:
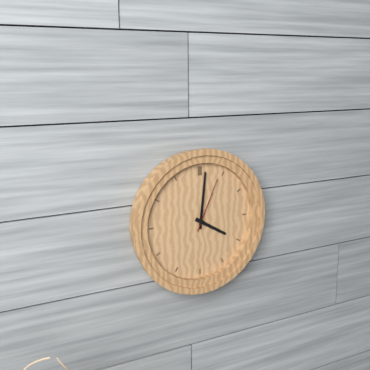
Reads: 4:01:04
